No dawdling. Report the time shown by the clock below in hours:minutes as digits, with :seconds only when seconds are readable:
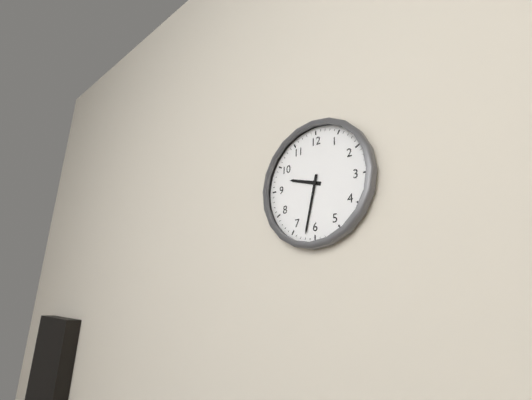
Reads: 9:32
